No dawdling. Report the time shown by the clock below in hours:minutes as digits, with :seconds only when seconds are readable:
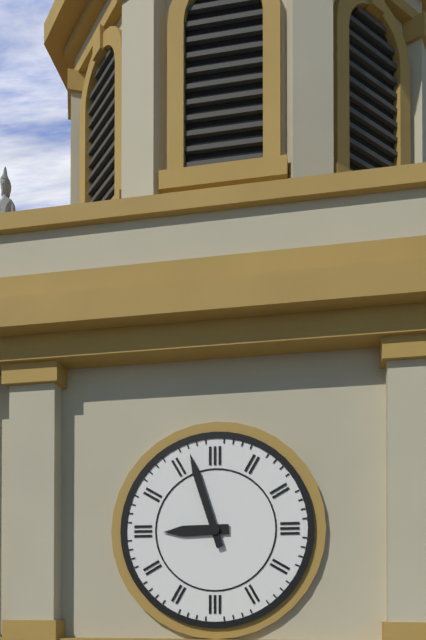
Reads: 8:57
